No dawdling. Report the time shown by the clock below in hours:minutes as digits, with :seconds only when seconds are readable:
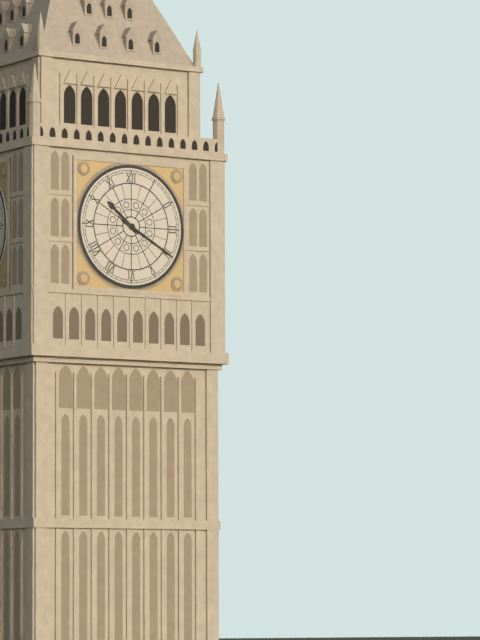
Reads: 10:20
